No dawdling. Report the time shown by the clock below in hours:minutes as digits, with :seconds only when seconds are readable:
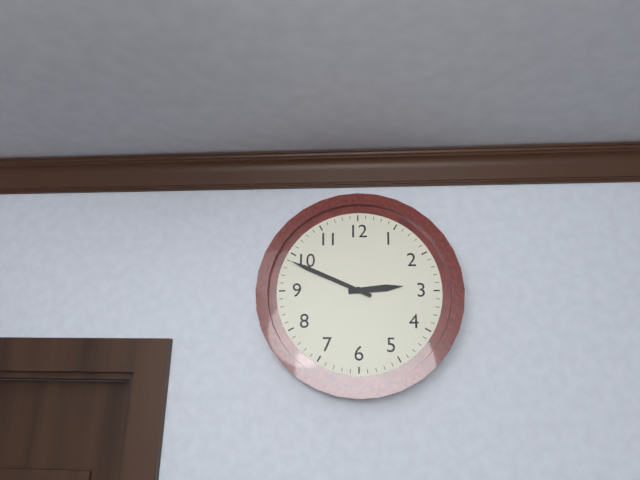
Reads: 2:49
